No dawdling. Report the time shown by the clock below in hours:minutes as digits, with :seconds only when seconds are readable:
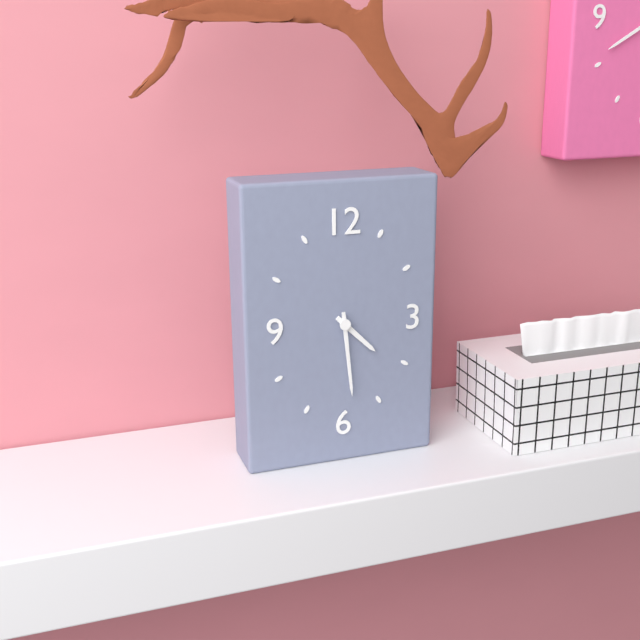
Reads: 4:29
